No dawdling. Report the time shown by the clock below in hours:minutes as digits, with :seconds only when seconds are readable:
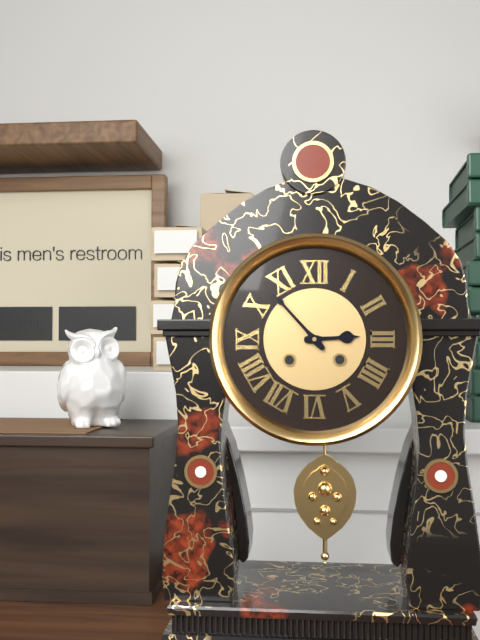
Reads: 2:53
